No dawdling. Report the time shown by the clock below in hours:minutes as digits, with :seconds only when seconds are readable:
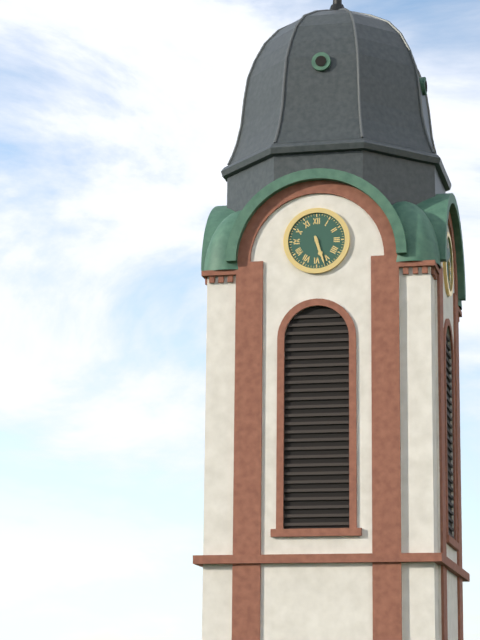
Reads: 5:27
